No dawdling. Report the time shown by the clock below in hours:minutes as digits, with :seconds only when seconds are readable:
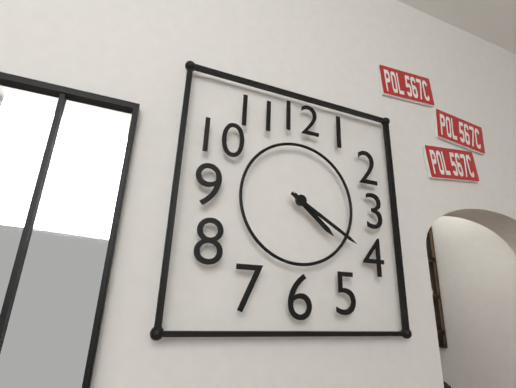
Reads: 4:20
